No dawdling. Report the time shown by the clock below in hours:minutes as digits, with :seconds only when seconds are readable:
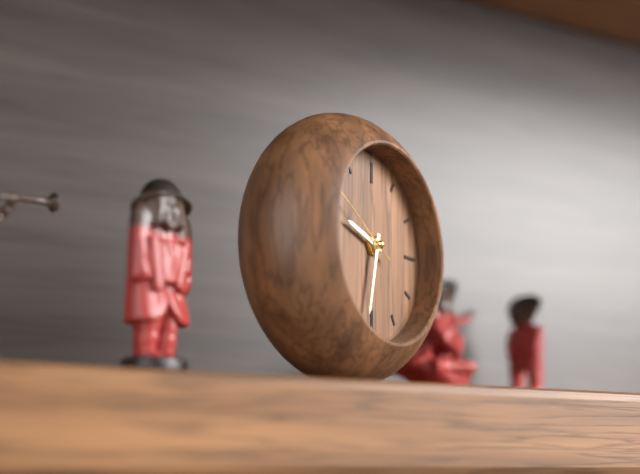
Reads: 9:32:50
